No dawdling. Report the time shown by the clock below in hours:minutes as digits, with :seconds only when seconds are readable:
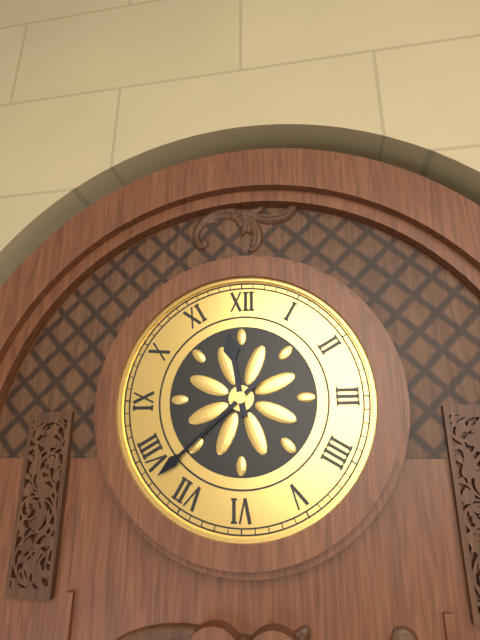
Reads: 11:38
